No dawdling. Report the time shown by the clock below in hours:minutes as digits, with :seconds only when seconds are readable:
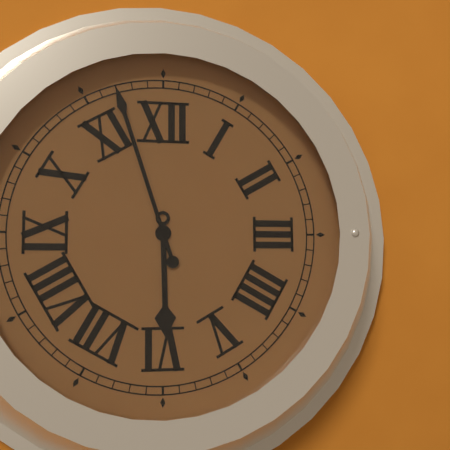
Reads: 5:57
